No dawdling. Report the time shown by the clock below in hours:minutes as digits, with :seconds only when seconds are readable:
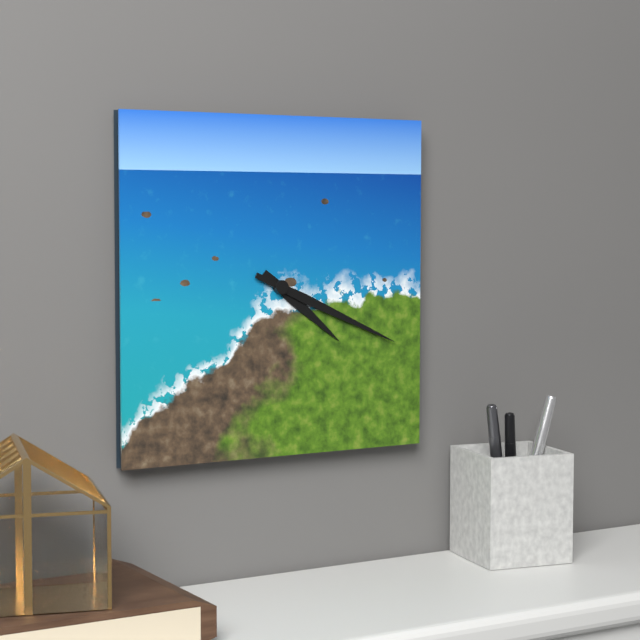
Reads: 4:19
